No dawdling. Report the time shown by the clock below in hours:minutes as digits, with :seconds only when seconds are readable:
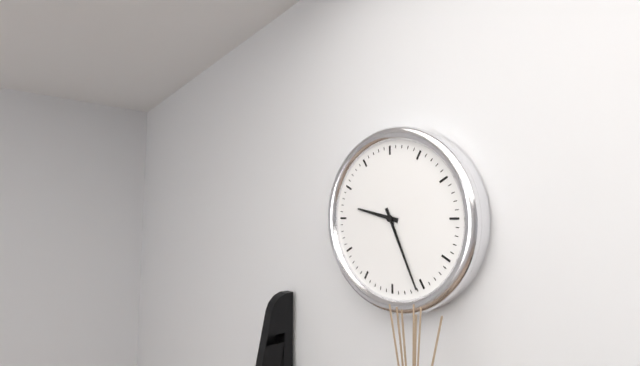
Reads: 9:26
